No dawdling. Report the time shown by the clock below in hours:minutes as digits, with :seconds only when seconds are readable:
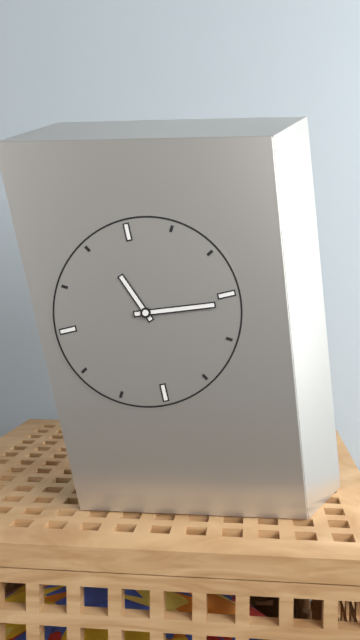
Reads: 11:16
